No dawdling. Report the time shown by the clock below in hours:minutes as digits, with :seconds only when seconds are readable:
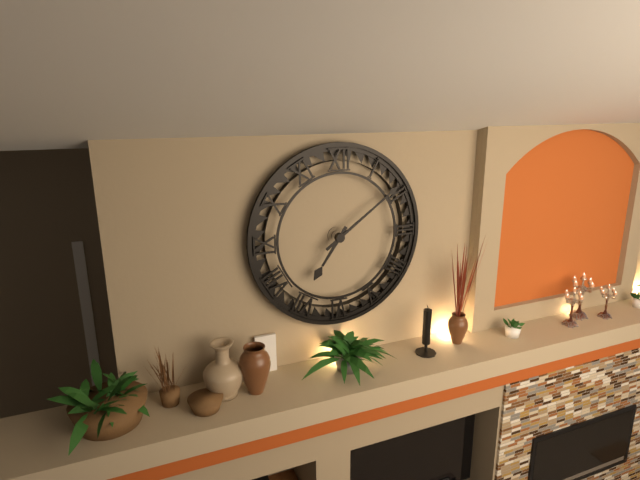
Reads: 7:09
